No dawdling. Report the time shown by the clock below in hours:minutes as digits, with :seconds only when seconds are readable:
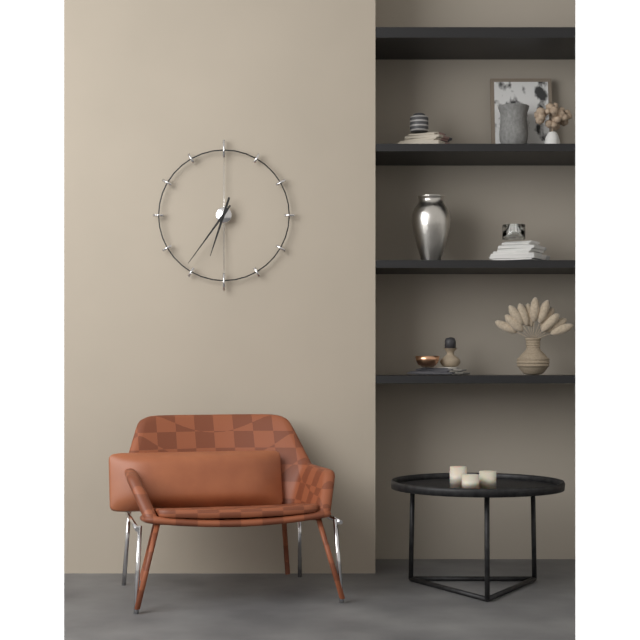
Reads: 6:36
